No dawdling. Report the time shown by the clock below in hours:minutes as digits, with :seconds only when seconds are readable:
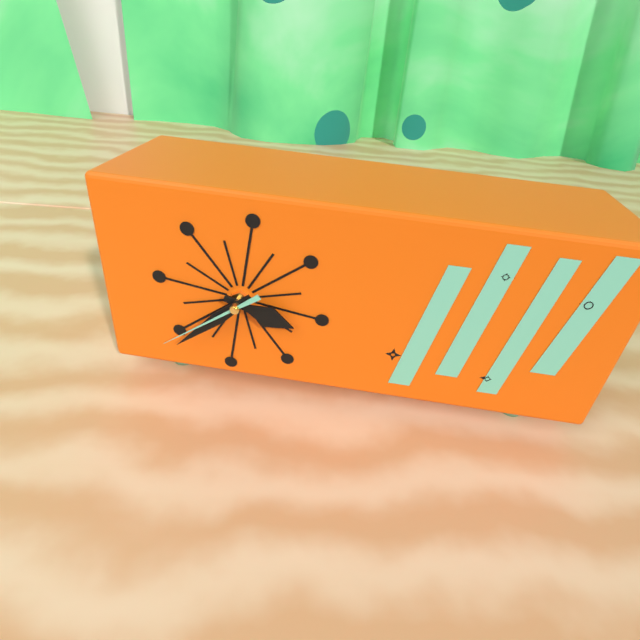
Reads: 3:38:39
